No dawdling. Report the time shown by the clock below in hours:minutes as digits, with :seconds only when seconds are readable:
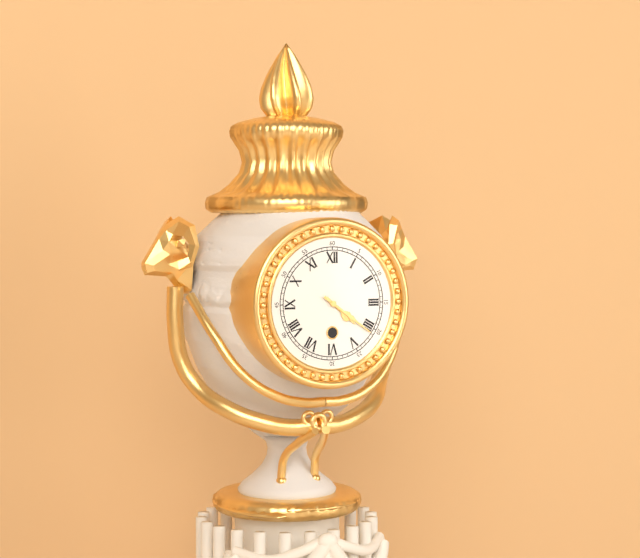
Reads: 4:21
